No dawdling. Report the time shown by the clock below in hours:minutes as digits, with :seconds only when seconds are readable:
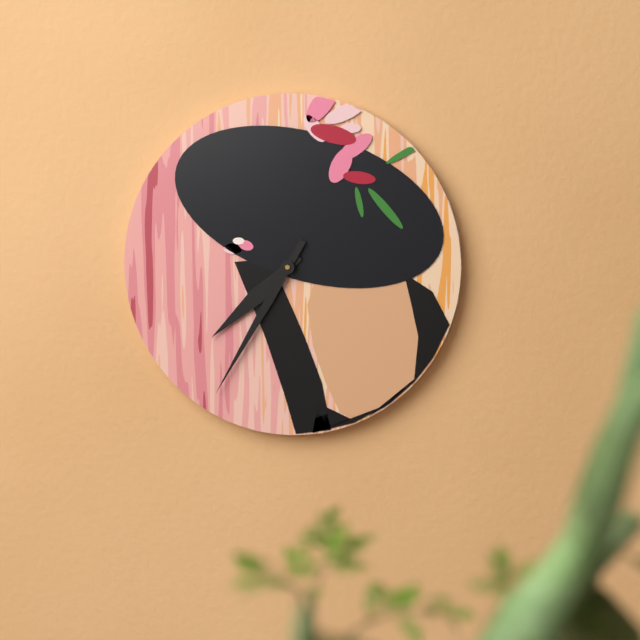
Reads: 7:35
